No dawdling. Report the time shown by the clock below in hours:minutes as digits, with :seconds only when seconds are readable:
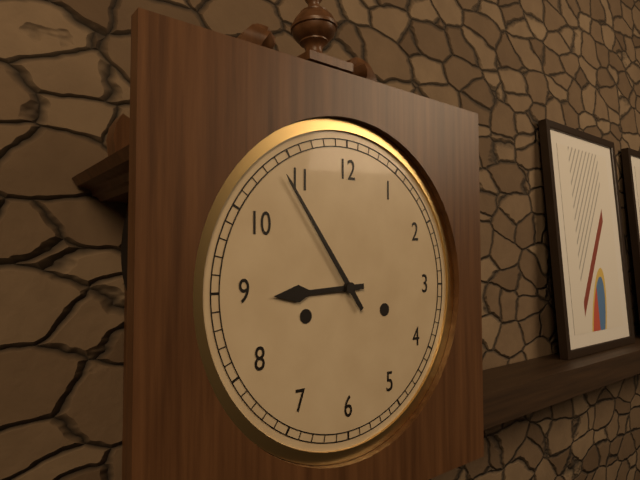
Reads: 8:54
